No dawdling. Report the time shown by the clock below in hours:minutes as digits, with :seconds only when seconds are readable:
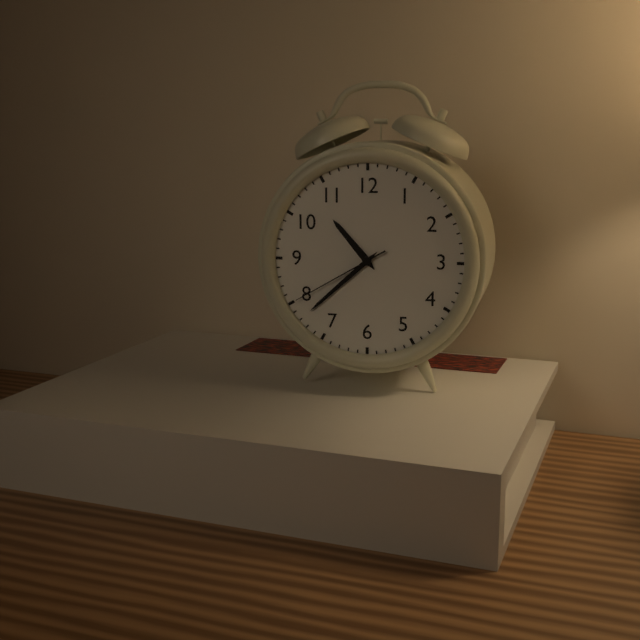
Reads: 10:38:40
